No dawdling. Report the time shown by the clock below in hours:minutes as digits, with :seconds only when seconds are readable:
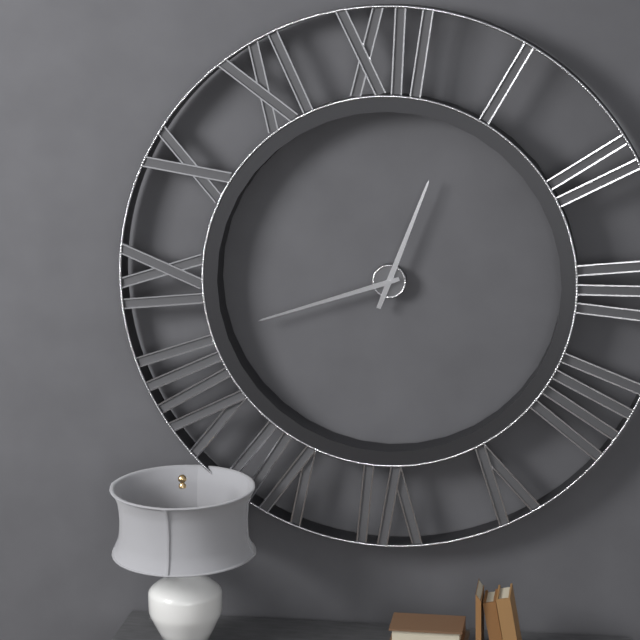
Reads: 12:42
